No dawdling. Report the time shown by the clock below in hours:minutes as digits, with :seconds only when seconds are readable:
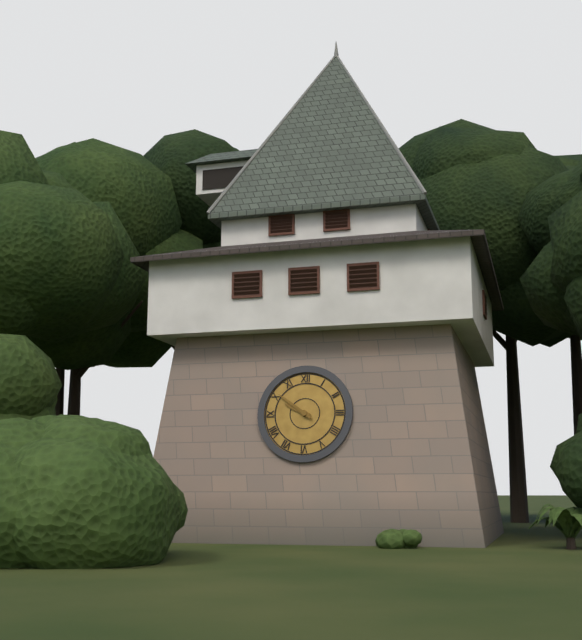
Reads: 9:51
